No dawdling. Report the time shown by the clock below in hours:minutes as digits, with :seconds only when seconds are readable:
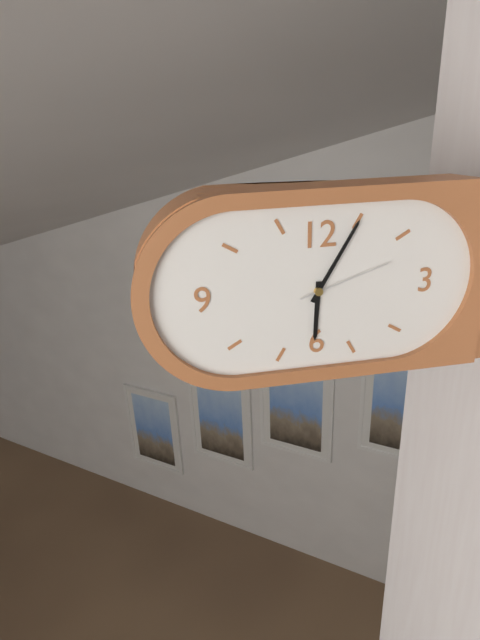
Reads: 6:05:12
